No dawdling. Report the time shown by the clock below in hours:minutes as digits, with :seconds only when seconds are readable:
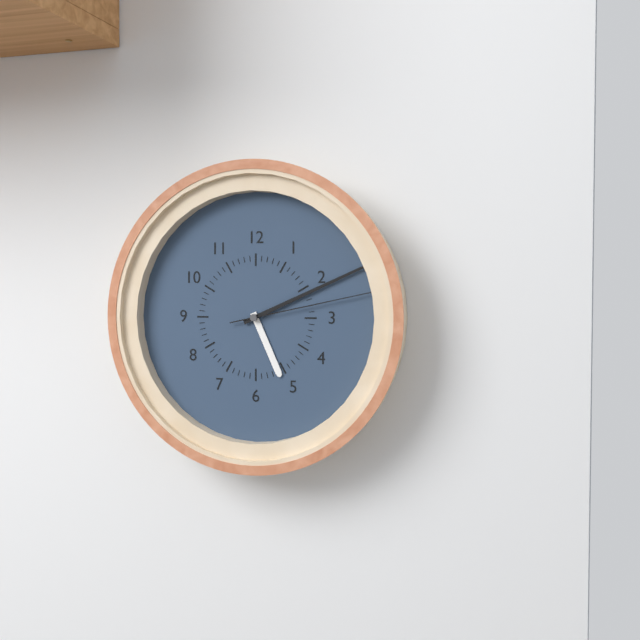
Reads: 5:11:13
